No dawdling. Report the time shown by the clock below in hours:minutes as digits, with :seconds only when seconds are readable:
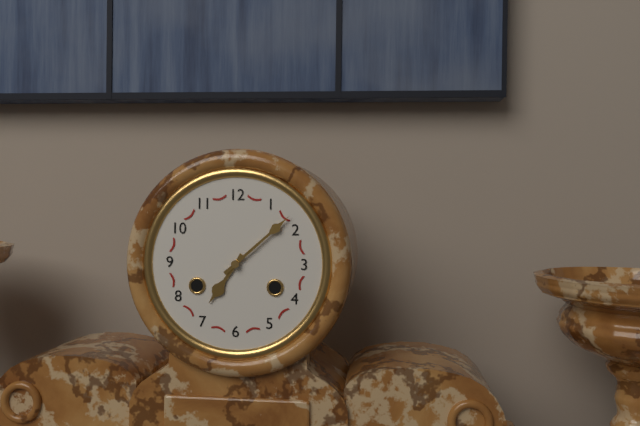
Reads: 7:08
